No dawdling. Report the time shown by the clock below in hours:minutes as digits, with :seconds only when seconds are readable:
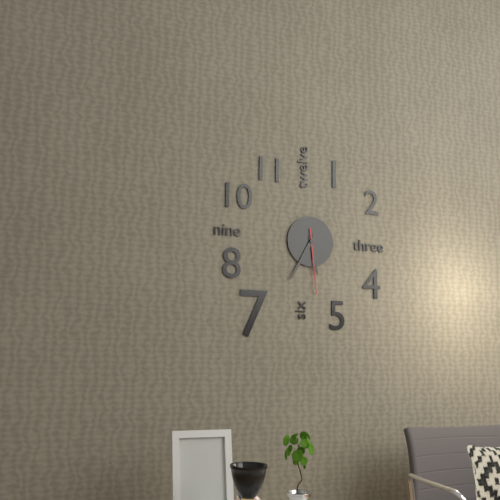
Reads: 5:35:29
